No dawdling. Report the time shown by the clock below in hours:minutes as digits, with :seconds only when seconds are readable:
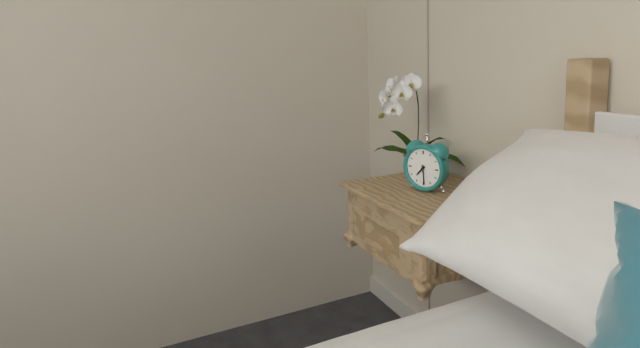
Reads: 7:29
